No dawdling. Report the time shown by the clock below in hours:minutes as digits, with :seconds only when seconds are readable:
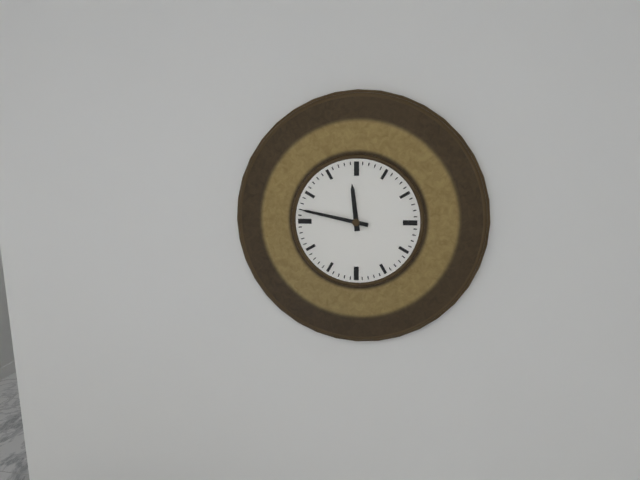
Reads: 11:47
